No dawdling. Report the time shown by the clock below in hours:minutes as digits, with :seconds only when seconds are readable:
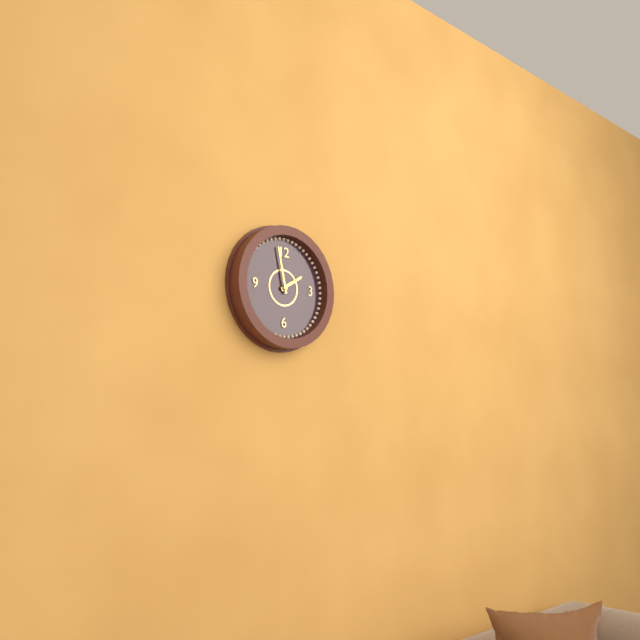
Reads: 1:58
